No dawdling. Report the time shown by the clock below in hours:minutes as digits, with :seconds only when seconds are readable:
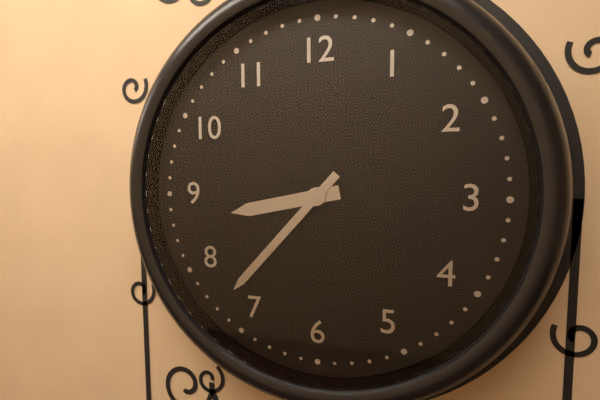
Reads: 8:37
